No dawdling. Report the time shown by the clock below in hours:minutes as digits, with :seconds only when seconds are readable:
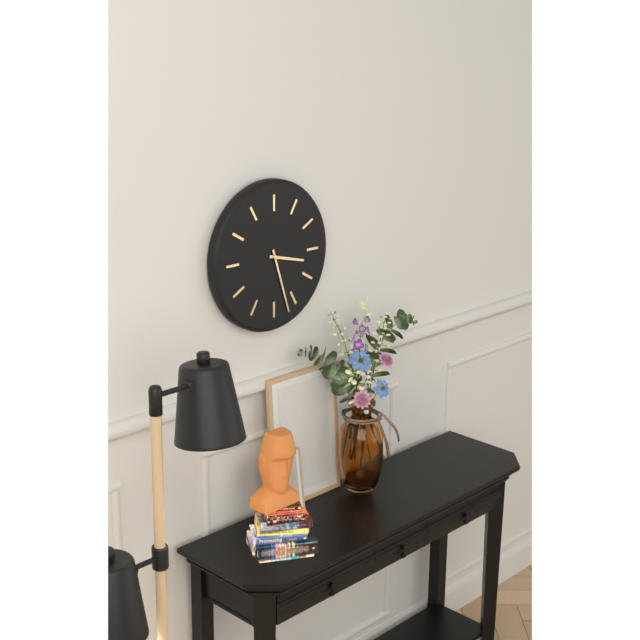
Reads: 3:27
